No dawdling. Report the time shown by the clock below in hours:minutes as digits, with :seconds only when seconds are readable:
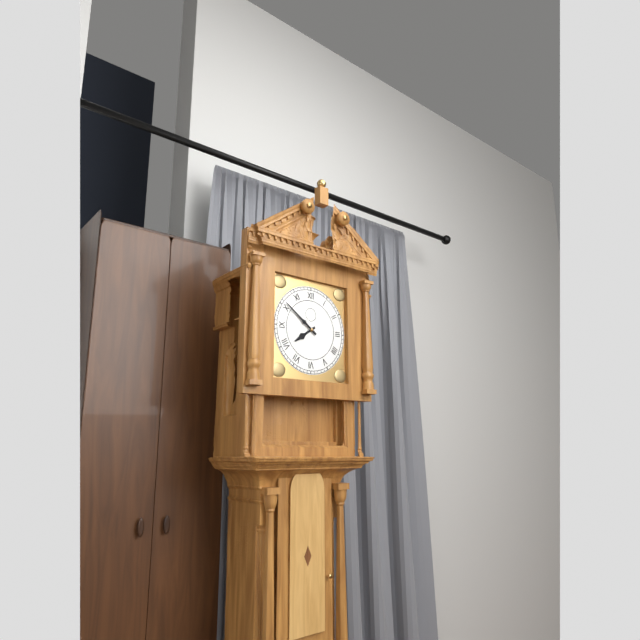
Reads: 7:51
